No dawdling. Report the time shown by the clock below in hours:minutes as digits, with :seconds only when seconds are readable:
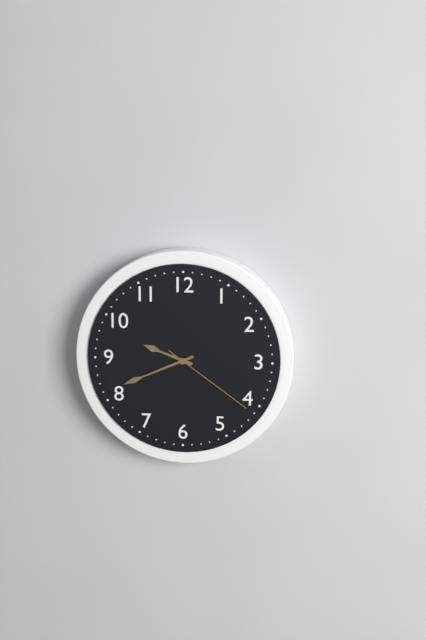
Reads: 9:41:21
